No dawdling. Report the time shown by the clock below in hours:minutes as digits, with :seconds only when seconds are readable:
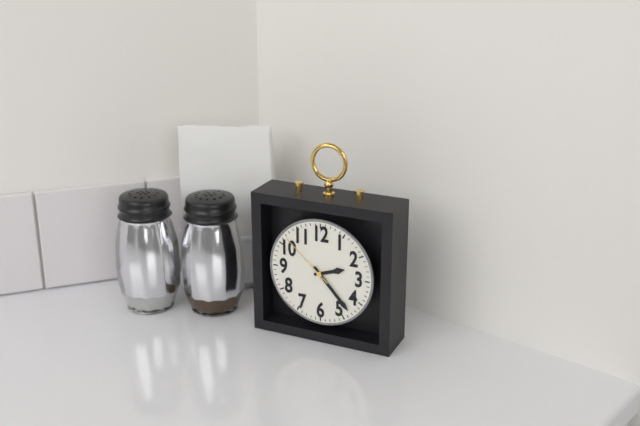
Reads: 2:23:52
